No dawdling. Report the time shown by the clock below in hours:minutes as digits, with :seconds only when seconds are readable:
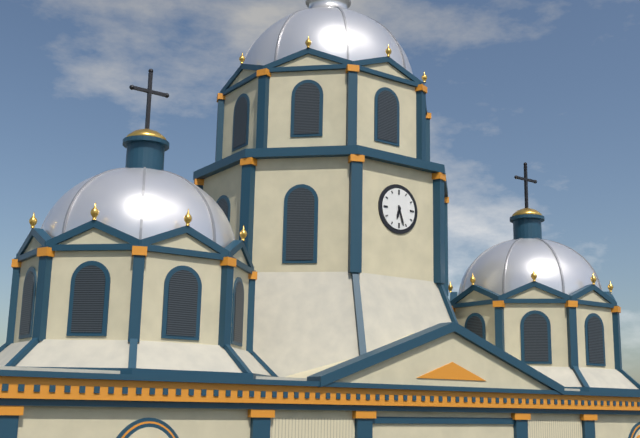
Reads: 6:27
